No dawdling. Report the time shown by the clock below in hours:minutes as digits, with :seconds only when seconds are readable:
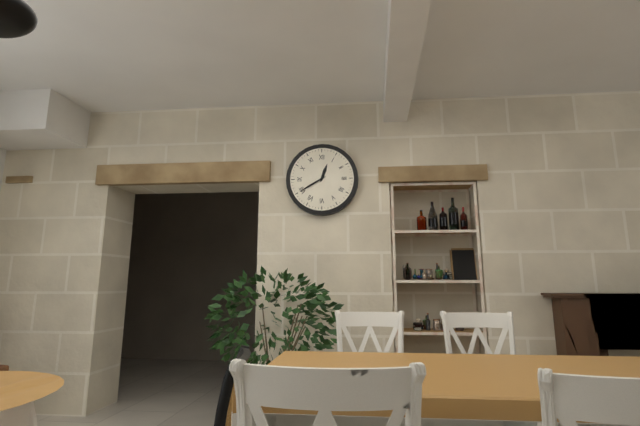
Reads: 12:40
